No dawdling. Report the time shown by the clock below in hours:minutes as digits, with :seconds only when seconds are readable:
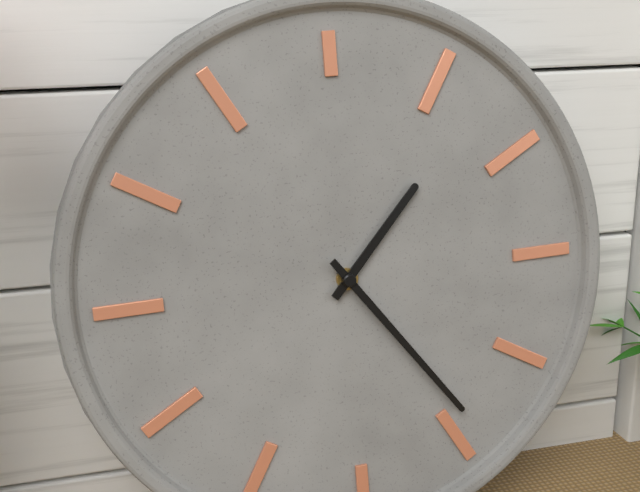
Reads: 1:24
